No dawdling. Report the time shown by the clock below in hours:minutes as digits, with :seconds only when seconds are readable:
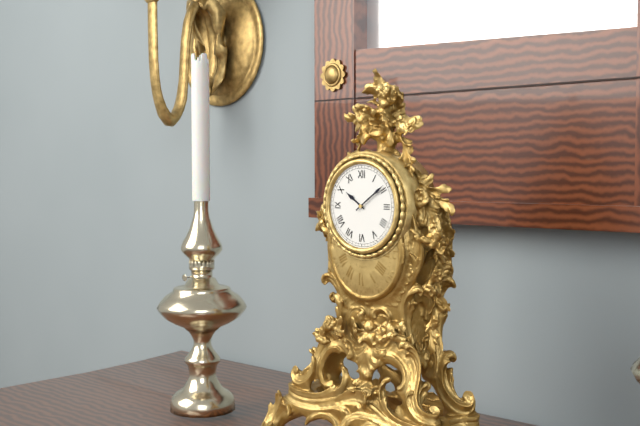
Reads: 10:09
